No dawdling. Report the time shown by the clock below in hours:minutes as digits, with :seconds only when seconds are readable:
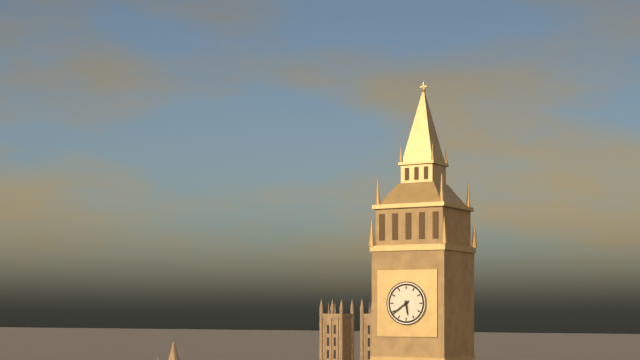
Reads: 5:39
